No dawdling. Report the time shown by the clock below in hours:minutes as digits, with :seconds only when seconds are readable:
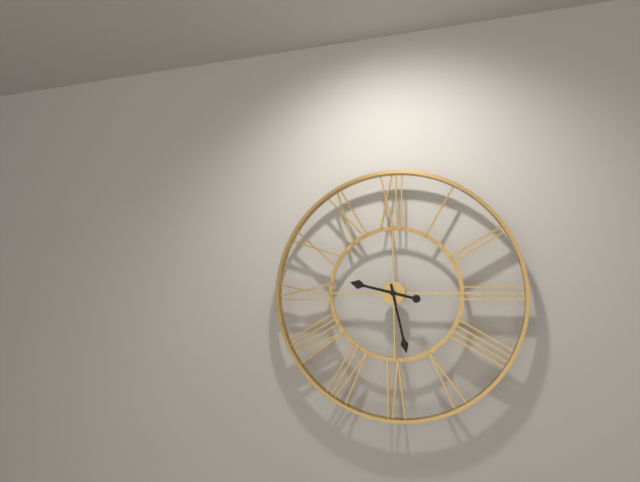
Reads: 9:28
